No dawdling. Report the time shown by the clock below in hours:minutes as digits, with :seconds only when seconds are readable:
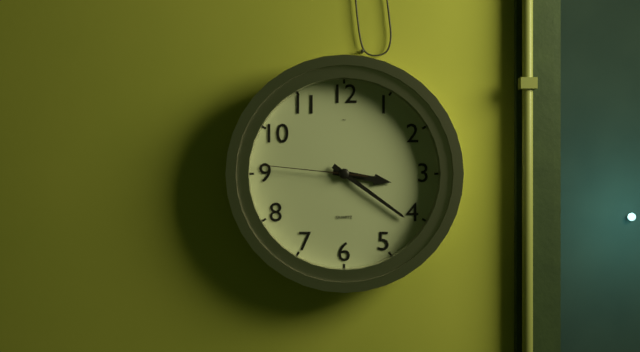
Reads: 3:21:46
